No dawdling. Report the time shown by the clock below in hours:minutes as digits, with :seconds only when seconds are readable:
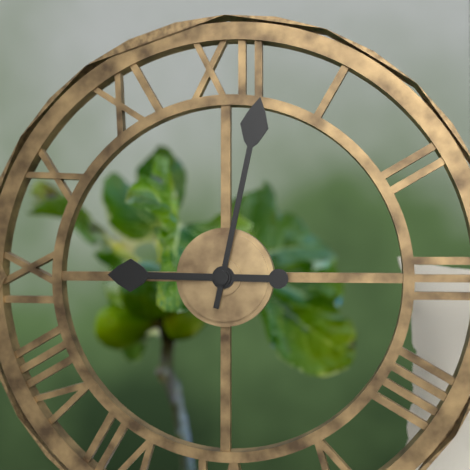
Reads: 9:02
